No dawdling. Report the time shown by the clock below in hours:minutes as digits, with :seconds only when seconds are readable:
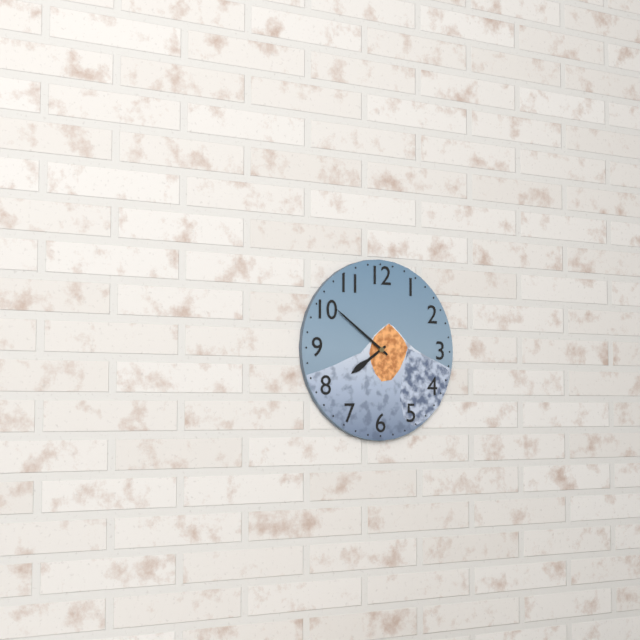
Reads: 7:51
